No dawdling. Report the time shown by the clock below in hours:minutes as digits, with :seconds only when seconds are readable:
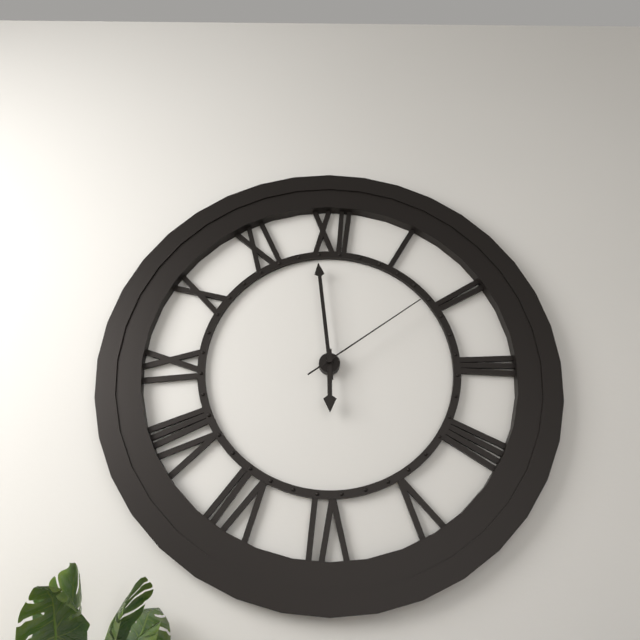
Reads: 5:59:09
